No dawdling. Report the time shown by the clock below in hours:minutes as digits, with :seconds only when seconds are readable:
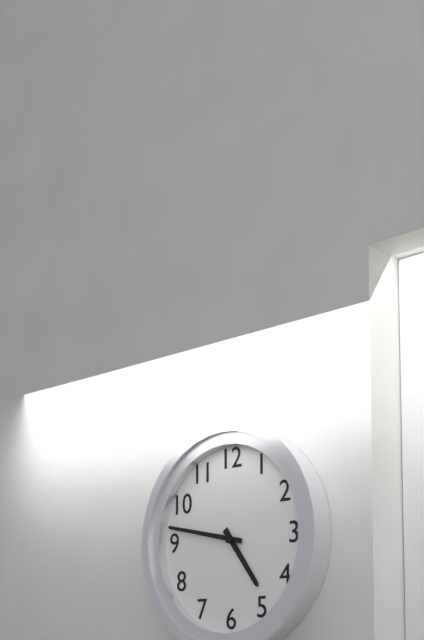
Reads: 4:47
